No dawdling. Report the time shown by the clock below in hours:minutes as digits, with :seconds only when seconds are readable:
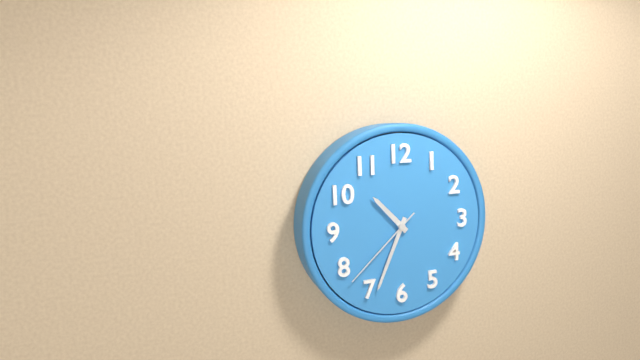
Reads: 10:34:38
